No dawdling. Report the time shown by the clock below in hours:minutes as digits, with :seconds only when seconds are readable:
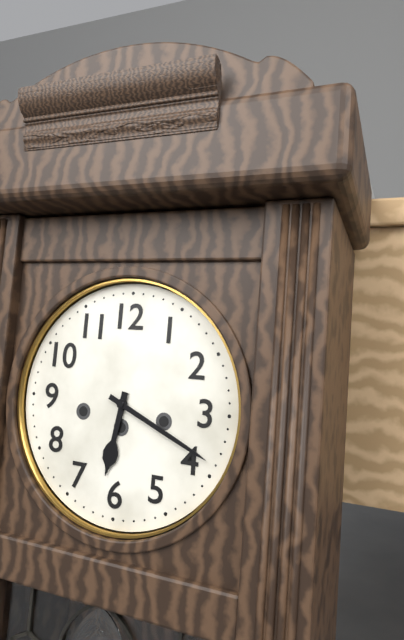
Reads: 6:19
